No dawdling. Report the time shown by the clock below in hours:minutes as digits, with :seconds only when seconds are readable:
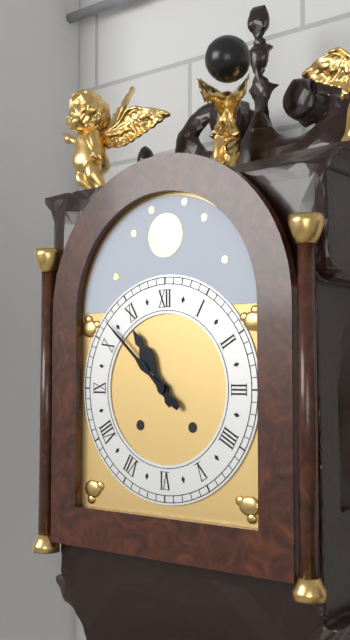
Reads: 10:52
